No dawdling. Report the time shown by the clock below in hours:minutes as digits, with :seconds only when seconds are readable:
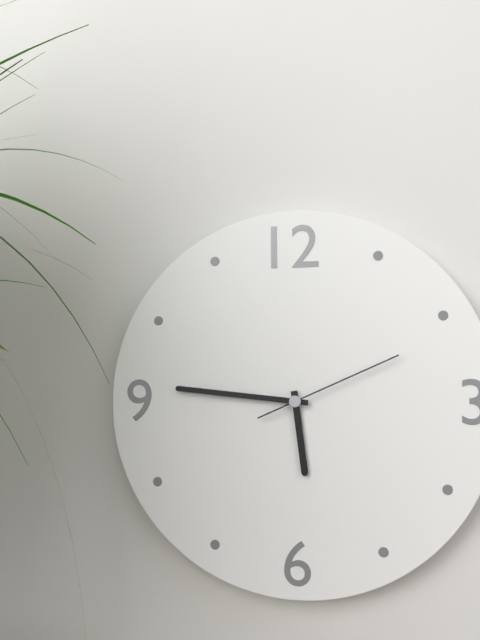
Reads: 5:46:11
